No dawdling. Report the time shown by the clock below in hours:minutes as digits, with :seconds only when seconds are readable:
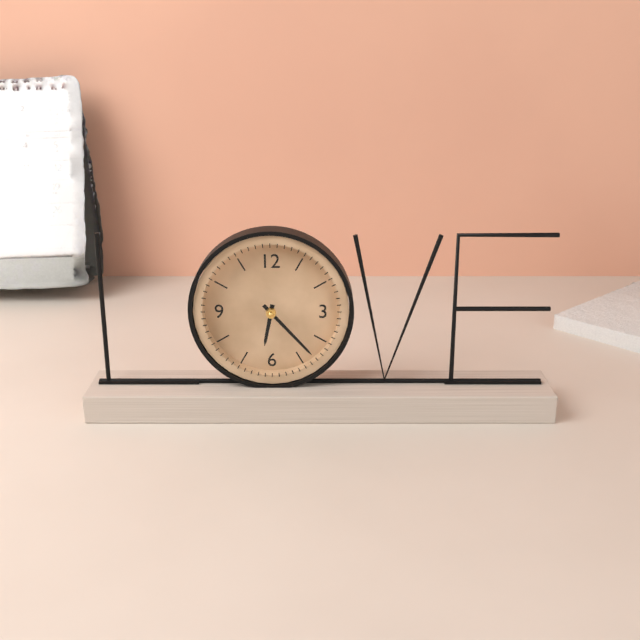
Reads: 6:23
